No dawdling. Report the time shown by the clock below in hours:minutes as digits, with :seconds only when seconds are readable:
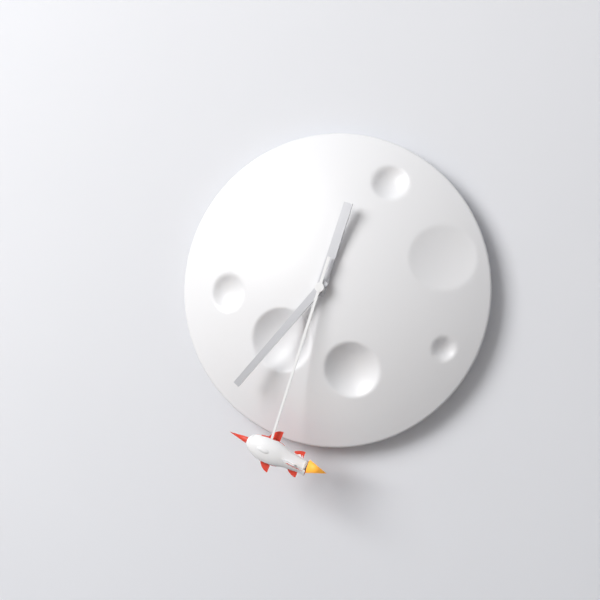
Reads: 12:37:33
